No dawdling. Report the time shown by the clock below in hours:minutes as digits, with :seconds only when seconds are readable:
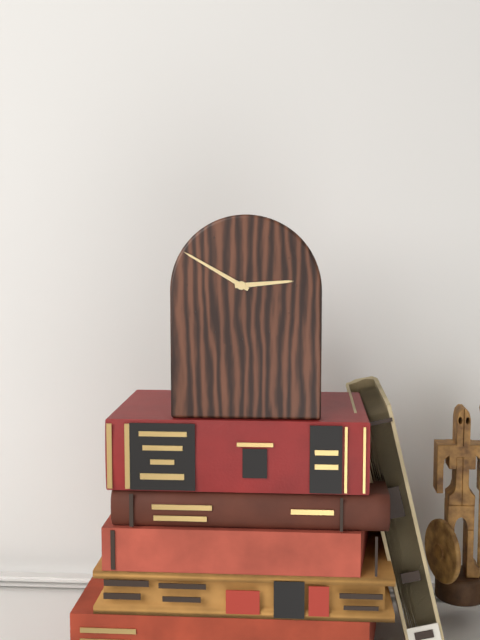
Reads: 2:50
